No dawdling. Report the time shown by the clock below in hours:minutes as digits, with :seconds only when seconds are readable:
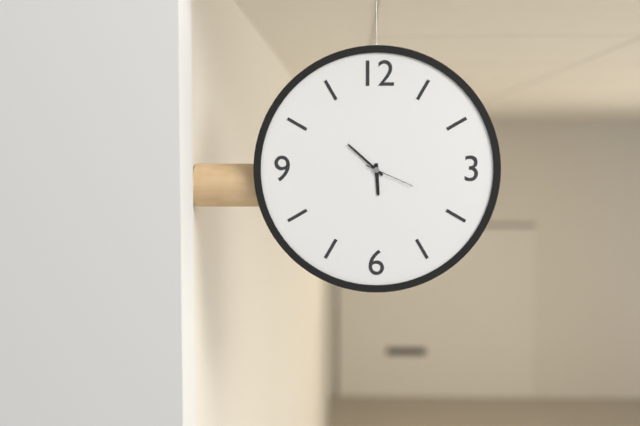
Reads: 5:52:19
